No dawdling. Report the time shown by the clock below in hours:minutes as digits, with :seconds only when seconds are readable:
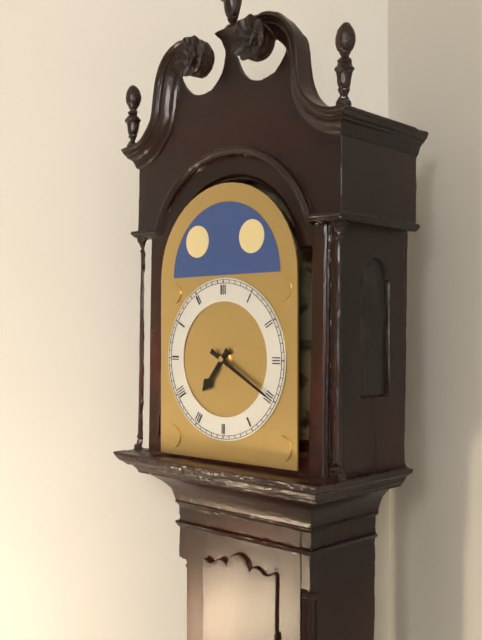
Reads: 7:20
